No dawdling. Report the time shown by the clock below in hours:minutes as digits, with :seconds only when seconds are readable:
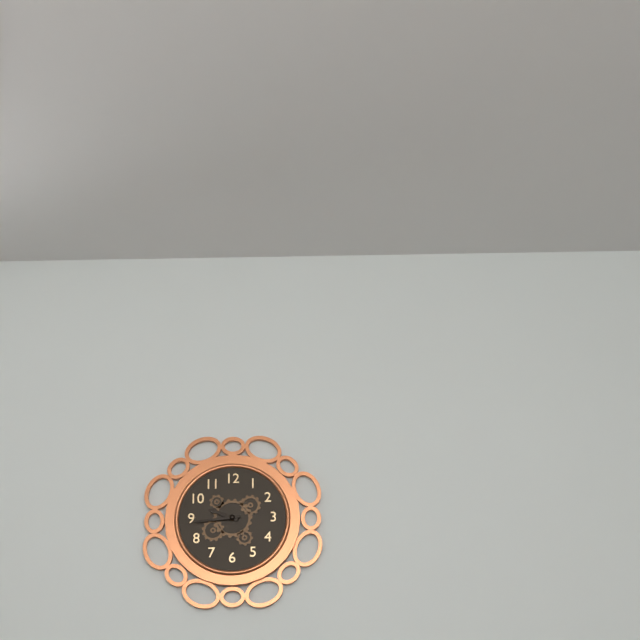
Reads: 9:44
